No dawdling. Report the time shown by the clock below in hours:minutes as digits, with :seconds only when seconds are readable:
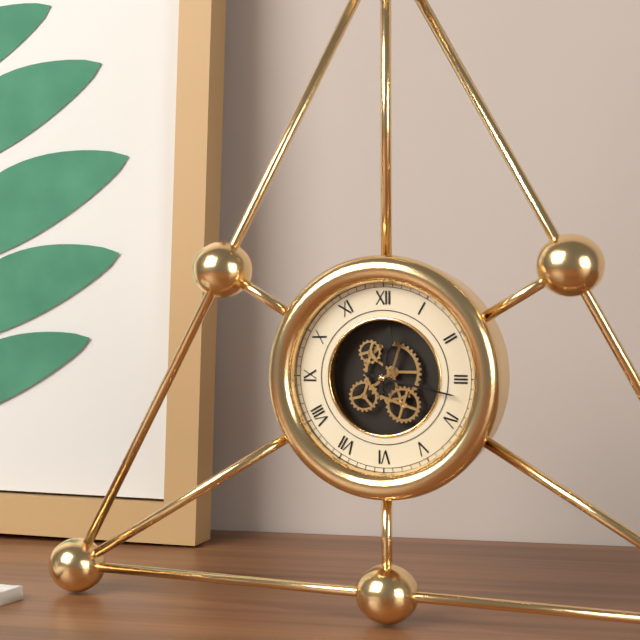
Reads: 12:17
